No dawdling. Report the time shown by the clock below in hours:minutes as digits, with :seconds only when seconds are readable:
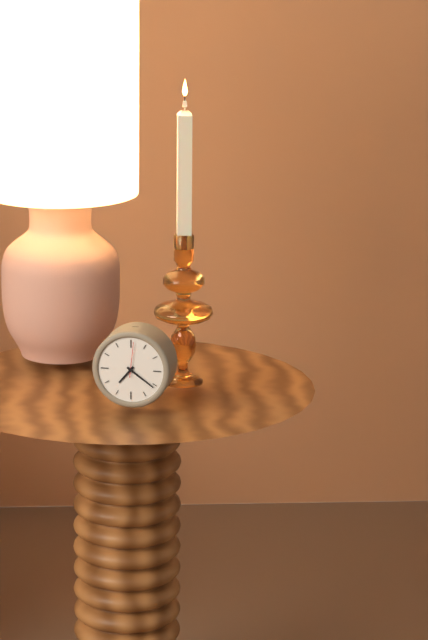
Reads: 7:21
